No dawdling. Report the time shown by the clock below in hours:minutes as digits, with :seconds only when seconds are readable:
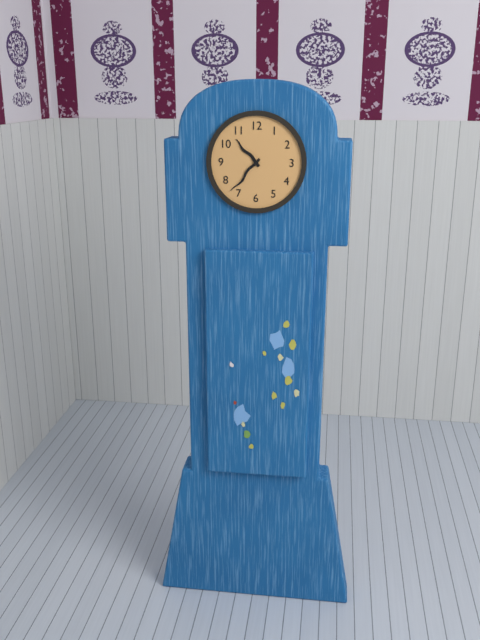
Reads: 10:37
